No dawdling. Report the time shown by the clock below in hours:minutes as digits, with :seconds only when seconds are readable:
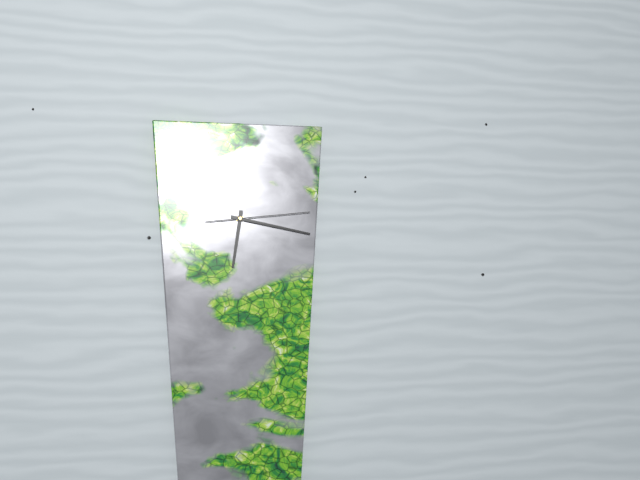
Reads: 6:17:14
